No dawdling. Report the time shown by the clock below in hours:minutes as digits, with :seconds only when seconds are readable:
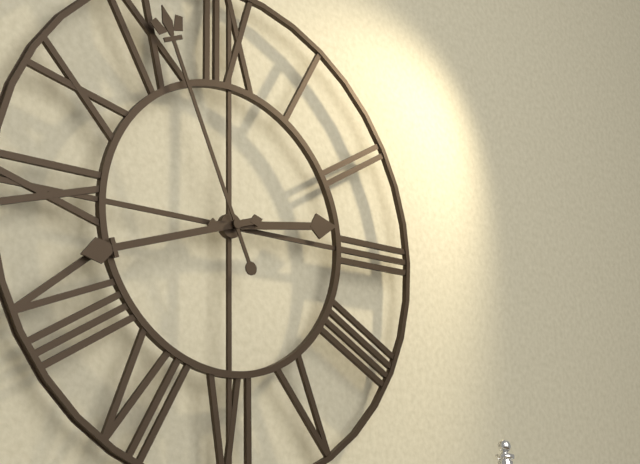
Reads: 2:42:56
